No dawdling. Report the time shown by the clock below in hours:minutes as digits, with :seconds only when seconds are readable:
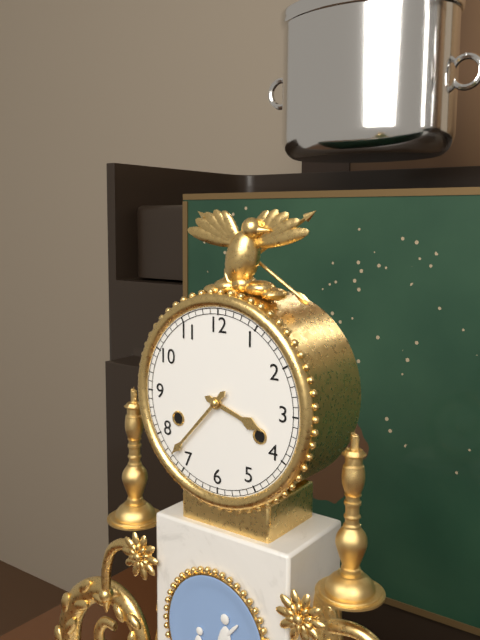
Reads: 3:37
